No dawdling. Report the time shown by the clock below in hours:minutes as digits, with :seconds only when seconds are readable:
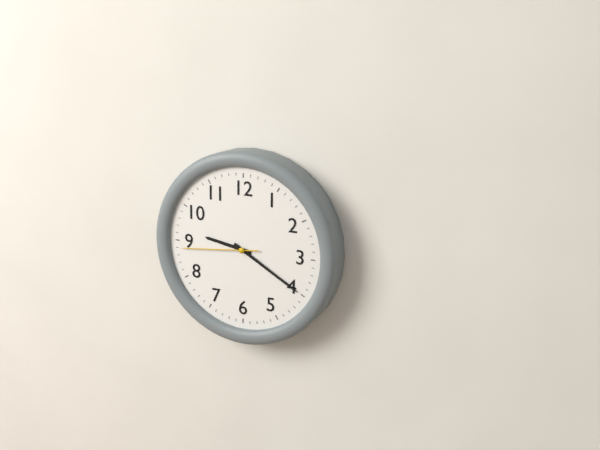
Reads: 9:20:44
